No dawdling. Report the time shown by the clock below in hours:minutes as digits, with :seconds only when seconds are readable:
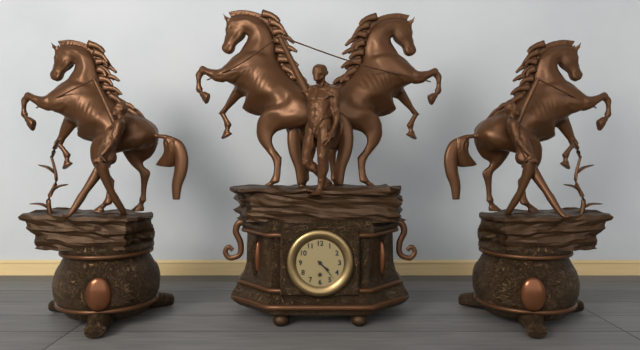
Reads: 4:23
